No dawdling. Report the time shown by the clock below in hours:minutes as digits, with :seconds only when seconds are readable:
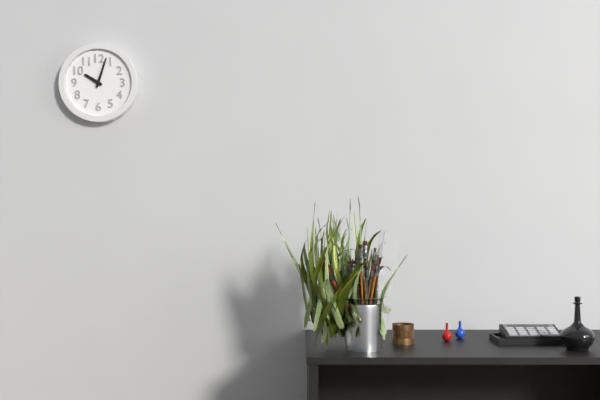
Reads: 10:03
